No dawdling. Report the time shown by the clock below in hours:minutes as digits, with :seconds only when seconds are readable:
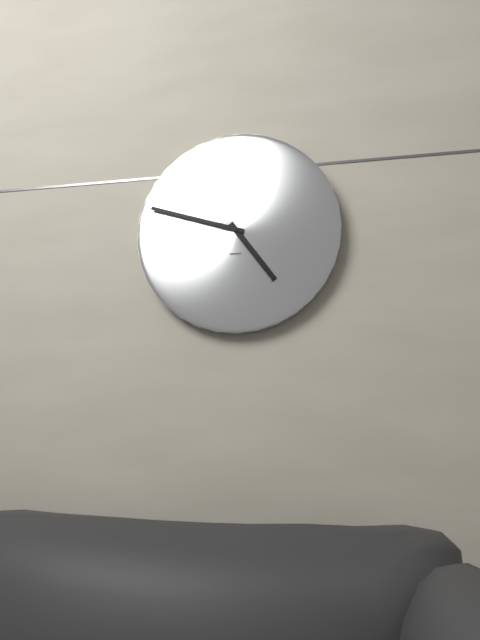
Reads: 4:48
